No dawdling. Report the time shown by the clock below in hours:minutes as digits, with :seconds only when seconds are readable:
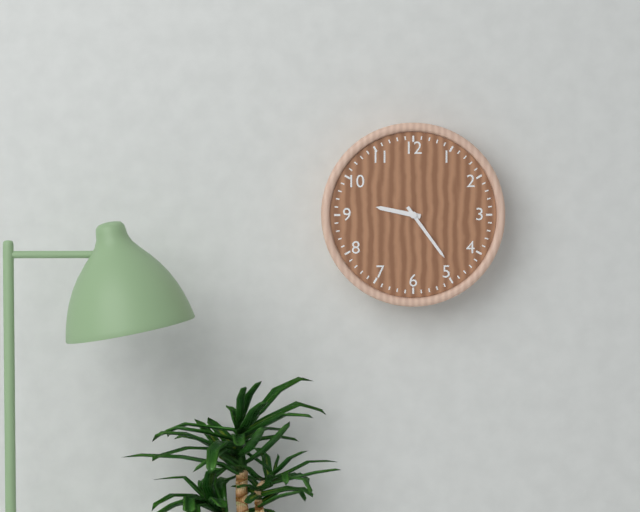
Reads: 9:24
